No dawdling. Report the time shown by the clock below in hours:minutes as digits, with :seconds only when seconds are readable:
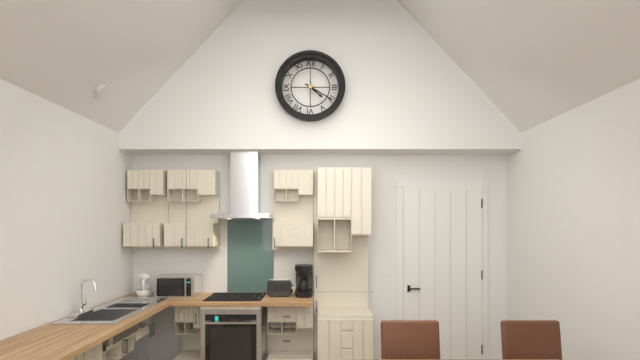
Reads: 4:20
